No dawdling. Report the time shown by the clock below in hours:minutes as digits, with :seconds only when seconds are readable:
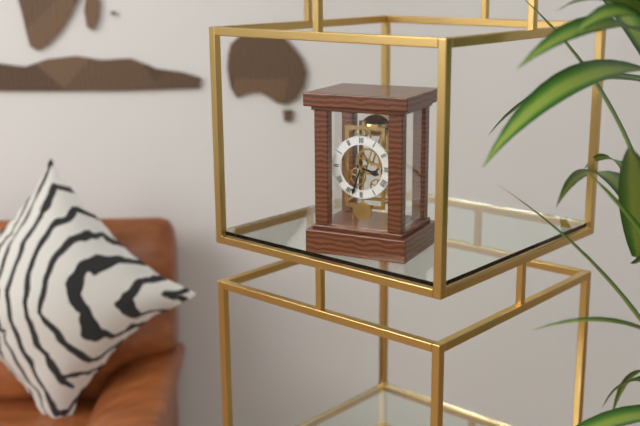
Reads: 3:33
